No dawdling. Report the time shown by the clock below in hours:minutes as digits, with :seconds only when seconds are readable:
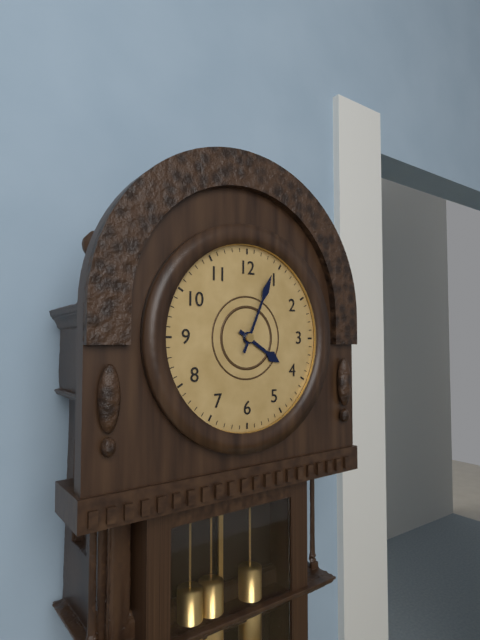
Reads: 4:04
